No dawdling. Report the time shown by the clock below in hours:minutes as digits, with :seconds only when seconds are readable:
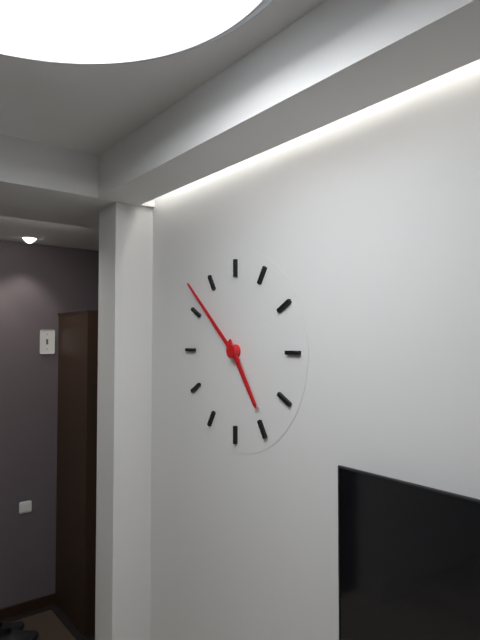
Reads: 4:52
